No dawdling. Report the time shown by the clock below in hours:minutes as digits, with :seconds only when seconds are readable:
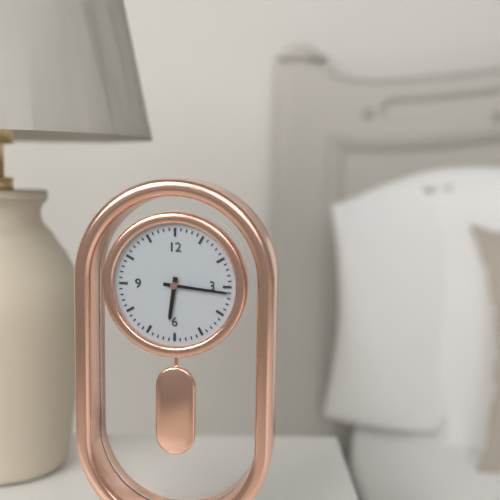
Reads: 6:16
